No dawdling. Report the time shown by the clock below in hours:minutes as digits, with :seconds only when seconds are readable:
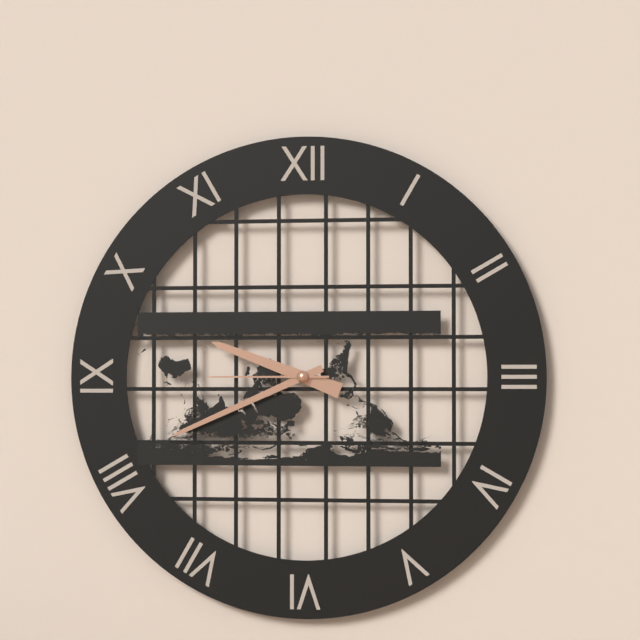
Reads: 9:41:45
